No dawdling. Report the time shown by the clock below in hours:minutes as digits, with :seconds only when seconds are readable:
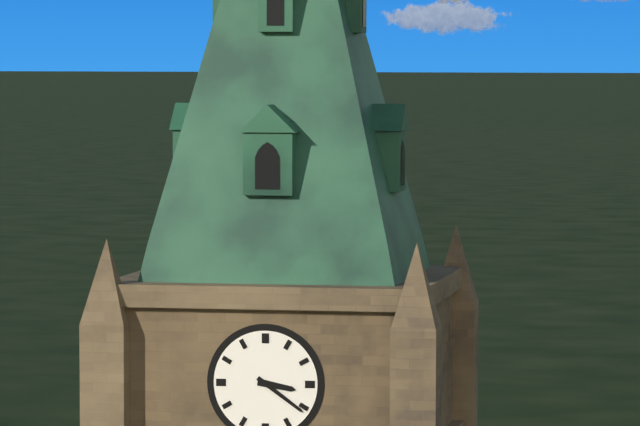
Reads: 3:21
